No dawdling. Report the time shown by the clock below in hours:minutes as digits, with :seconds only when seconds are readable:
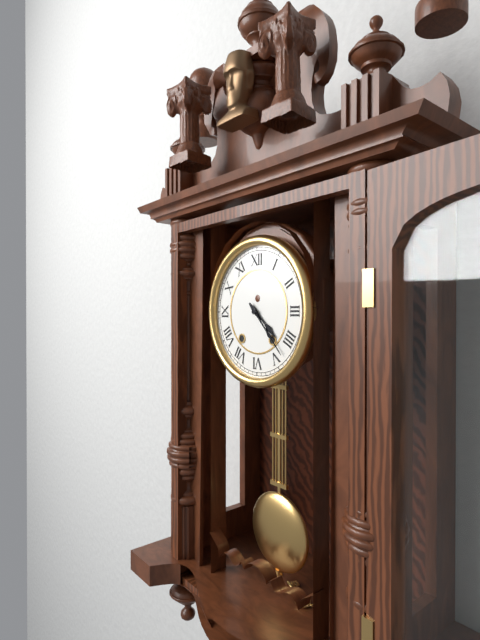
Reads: 4:23
